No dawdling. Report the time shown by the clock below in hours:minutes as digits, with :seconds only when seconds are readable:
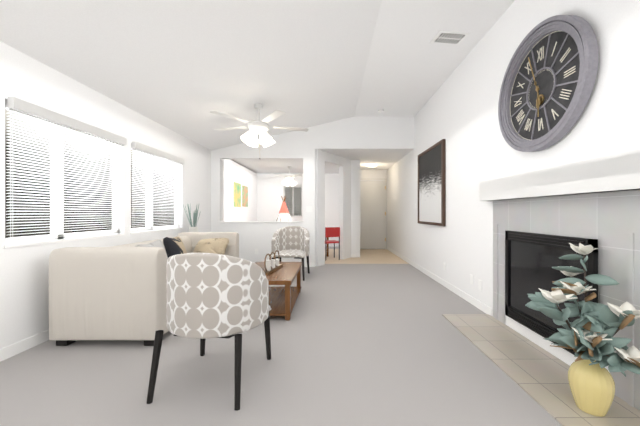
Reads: 5:57
